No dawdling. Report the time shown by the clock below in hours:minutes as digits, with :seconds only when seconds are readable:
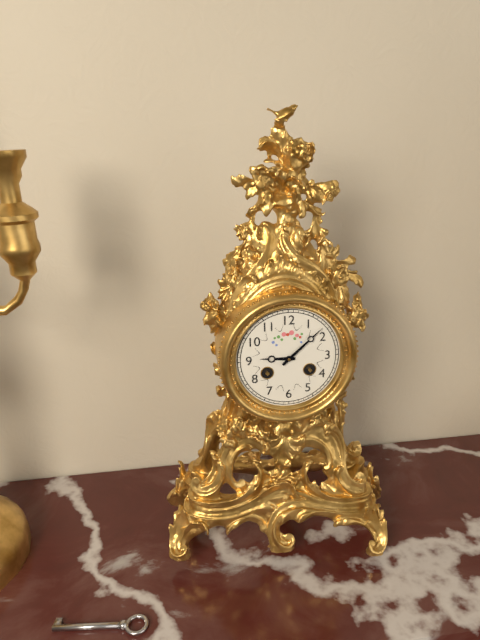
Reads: 9:08
